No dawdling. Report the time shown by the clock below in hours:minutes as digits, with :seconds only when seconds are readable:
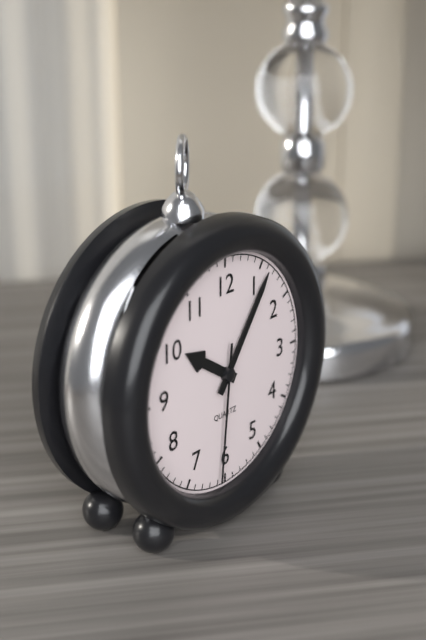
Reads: 10:06:31
